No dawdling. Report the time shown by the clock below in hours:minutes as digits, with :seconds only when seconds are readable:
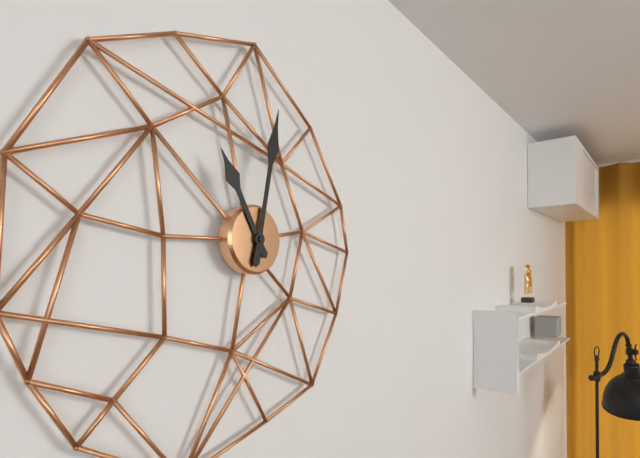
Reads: 11:02
